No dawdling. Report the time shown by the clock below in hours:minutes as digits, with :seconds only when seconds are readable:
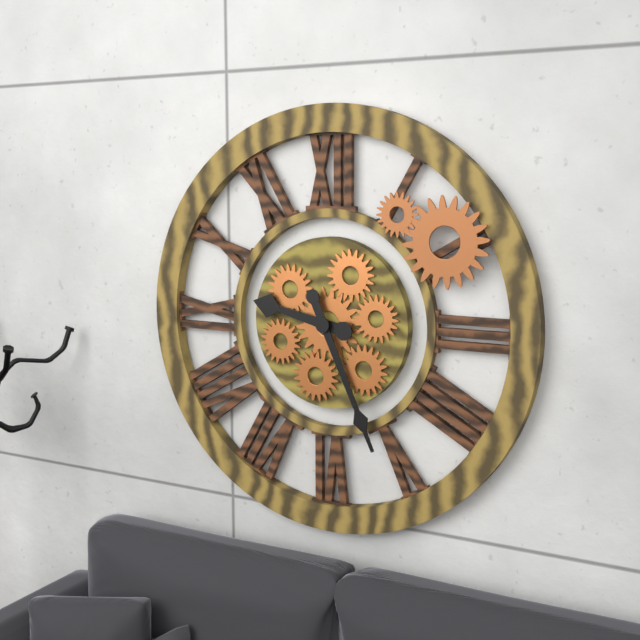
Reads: 9:26
